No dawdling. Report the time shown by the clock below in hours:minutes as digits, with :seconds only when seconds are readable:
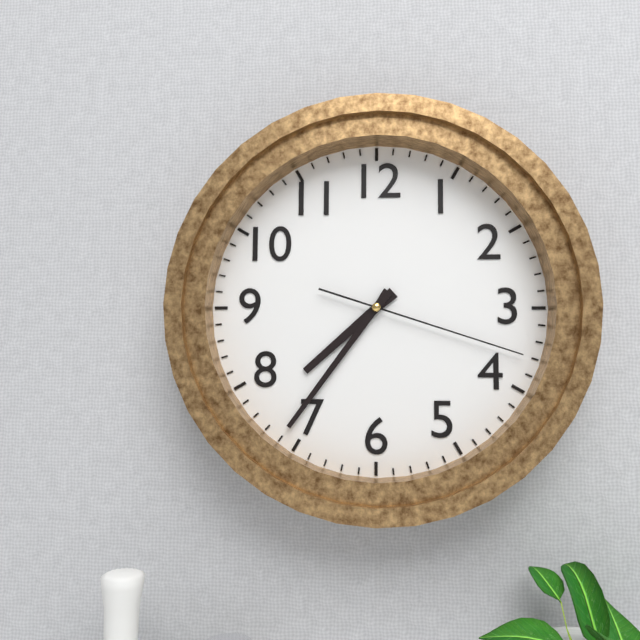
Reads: 7:36:18
